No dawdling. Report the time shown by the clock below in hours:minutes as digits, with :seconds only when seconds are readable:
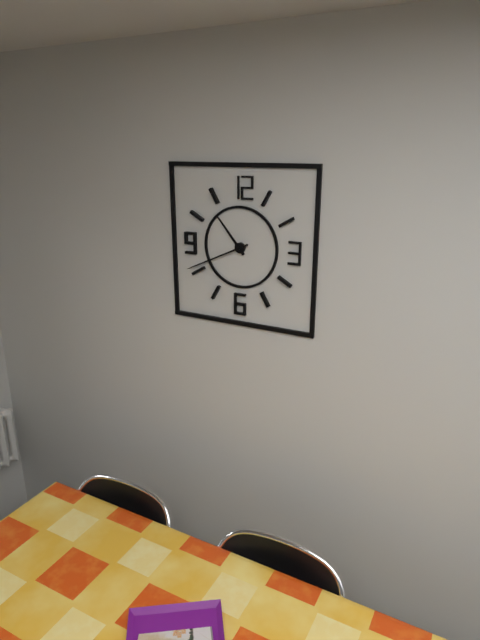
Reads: 10:41
